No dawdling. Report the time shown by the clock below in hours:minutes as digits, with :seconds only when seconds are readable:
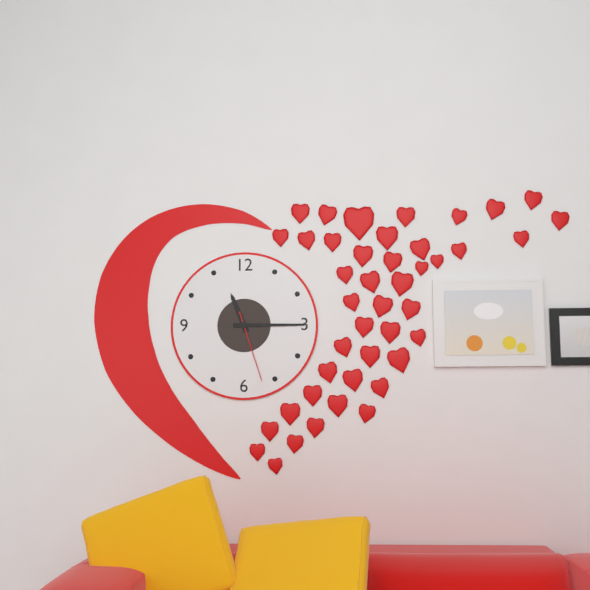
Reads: 11:15:27
